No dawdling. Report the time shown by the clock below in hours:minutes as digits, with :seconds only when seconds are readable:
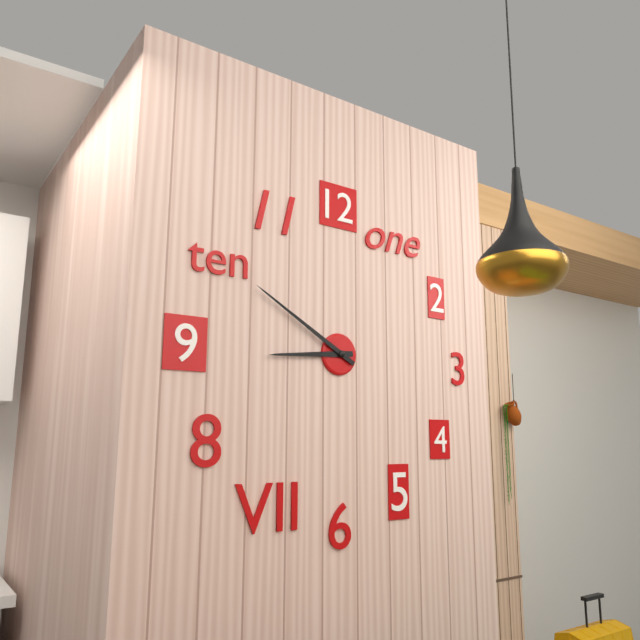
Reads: 8:50
